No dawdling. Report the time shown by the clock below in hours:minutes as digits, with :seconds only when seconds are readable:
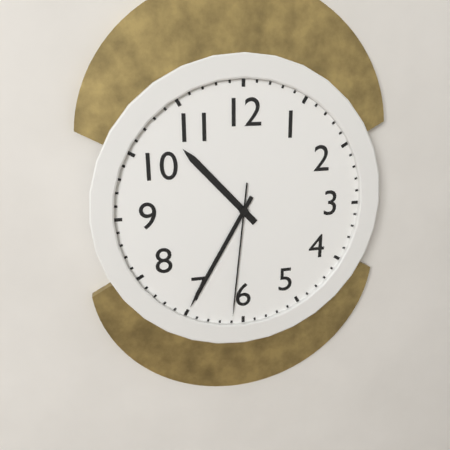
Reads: 10:35:31
